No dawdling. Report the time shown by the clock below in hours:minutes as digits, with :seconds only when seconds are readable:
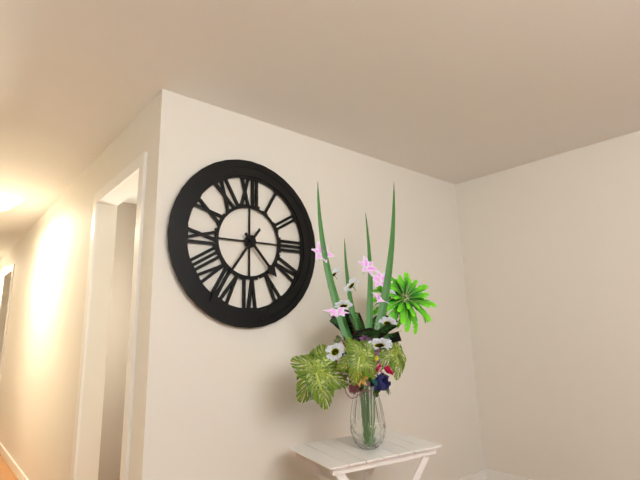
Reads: 4:36
